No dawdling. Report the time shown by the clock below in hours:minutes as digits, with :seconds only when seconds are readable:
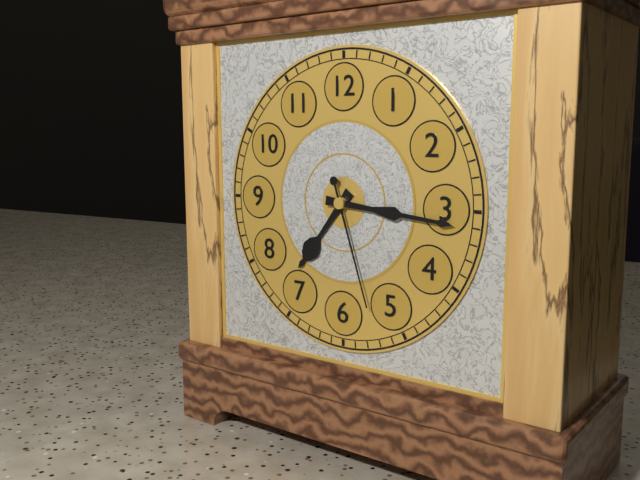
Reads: 7:16:27
